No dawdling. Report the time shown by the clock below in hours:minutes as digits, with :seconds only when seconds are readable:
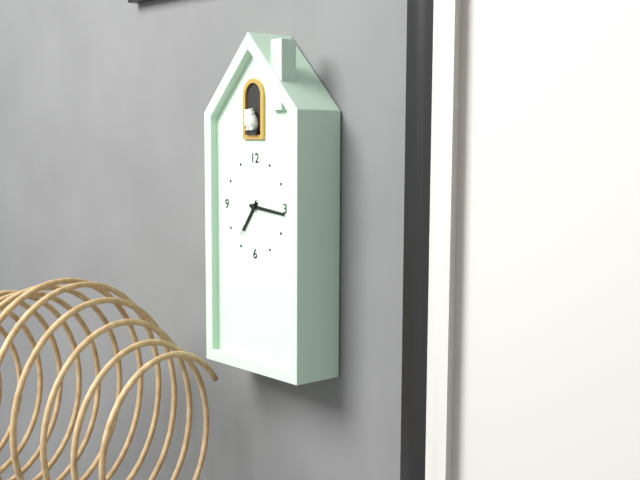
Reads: 7:16
